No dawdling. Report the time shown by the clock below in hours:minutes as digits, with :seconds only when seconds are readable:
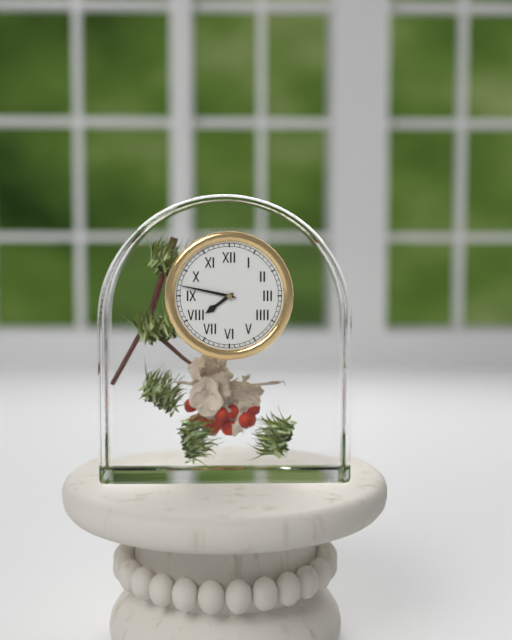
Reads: 7:47
